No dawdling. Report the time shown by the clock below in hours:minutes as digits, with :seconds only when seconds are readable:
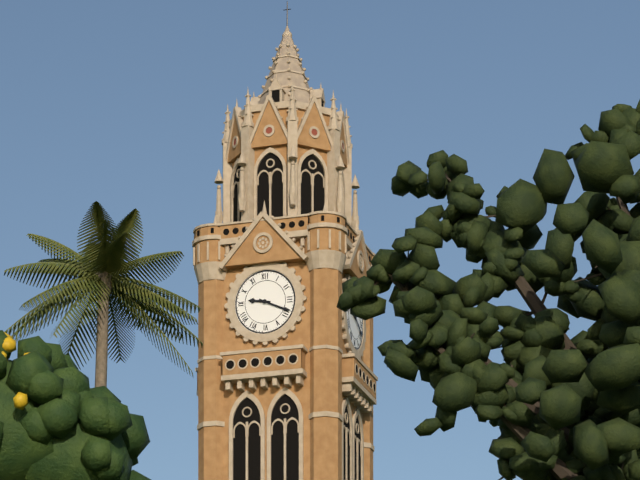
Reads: 9:19
